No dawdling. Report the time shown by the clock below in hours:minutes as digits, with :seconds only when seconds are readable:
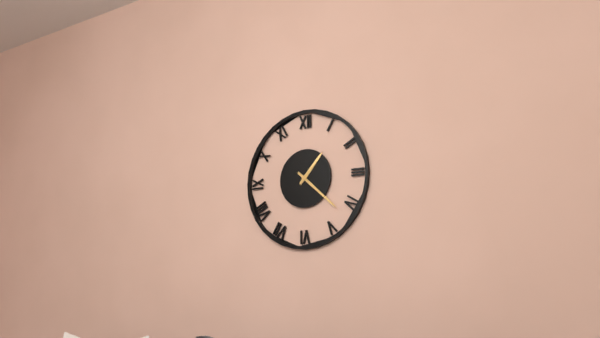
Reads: 1:22
